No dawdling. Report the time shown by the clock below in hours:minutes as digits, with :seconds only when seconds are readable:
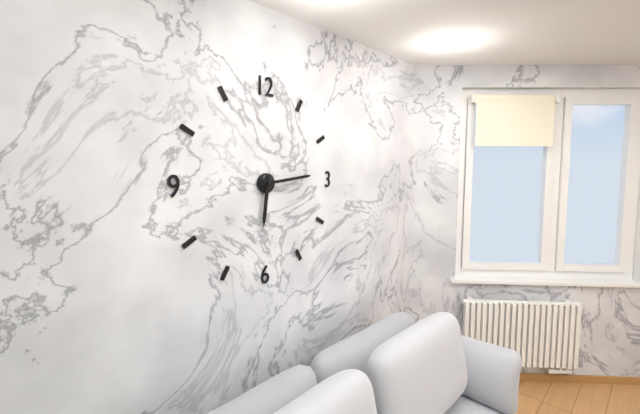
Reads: 6:14
